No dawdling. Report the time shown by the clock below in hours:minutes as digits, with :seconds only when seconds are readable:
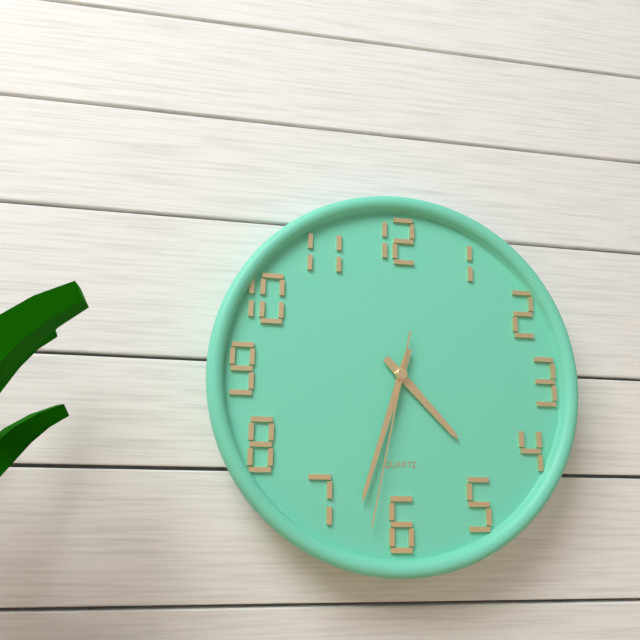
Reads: 4:33:32
